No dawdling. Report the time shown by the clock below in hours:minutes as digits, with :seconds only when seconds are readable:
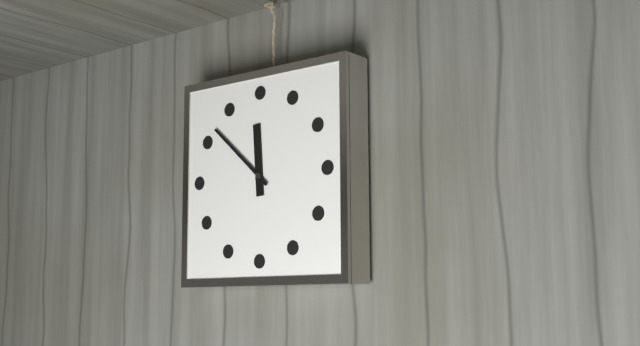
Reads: 11:52
